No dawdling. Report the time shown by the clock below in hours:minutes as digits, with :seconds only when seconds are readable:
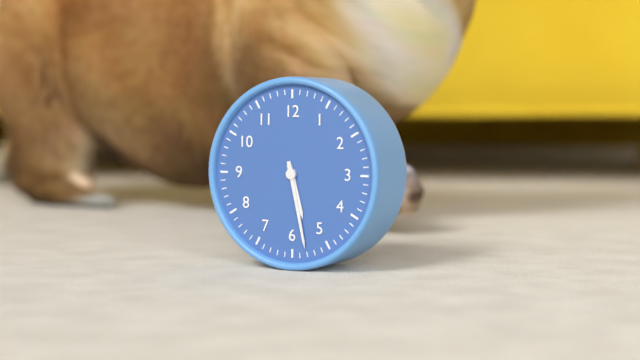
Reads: 5:28
